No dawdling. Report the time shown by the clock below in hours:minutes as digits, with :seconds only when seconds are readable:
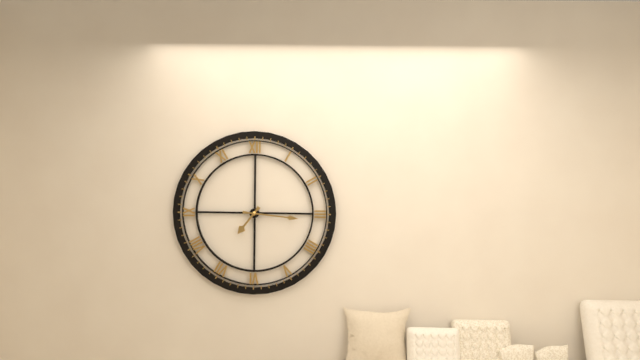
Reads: 7:16
